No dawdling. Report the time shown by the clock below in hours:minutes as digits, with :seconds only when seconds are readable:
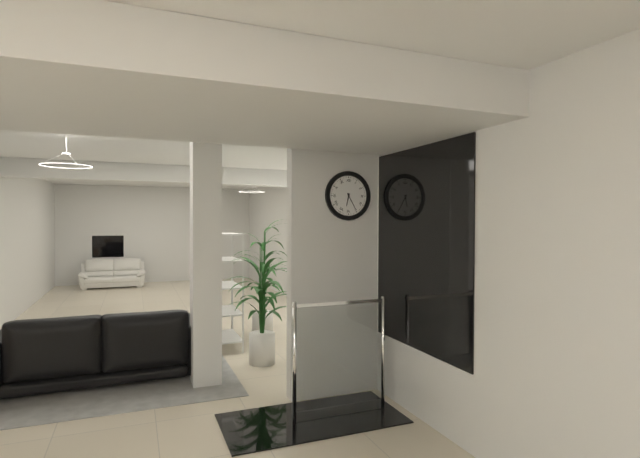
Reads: 6:25
